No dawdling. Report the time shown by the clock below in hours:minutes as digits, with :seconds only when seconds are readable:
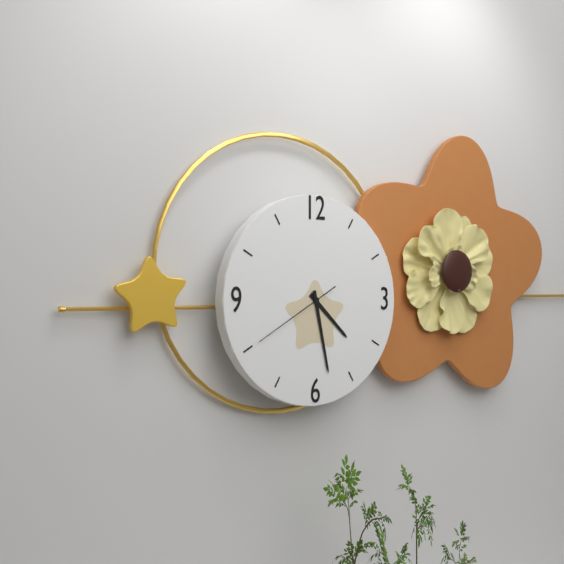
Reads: 4:28:40
